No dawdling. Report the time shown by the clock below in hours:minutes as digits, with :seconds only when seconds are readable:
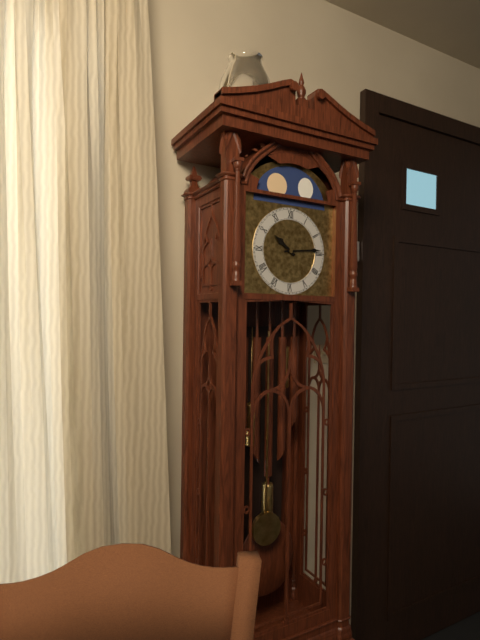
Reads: 10:14
